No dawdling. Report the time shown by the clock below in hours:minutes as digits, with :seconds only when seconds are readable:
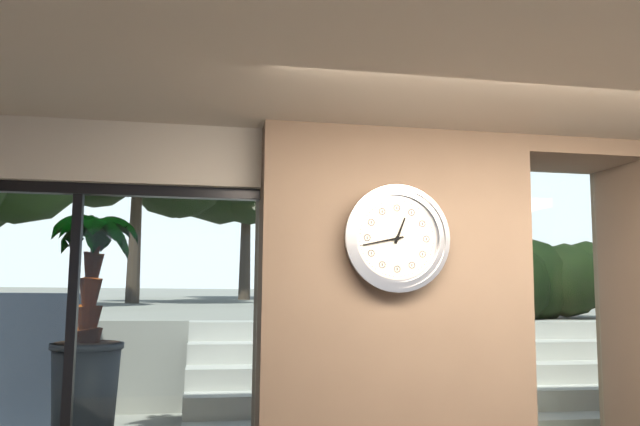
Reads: 12:43
